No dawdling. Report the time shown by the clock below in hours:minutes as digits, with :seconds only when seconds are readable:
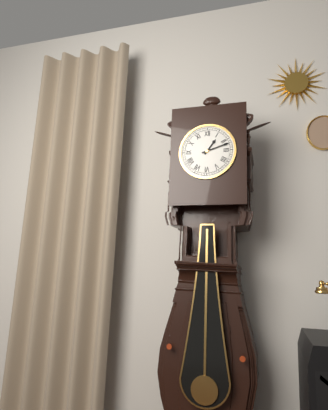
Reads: 1:12
